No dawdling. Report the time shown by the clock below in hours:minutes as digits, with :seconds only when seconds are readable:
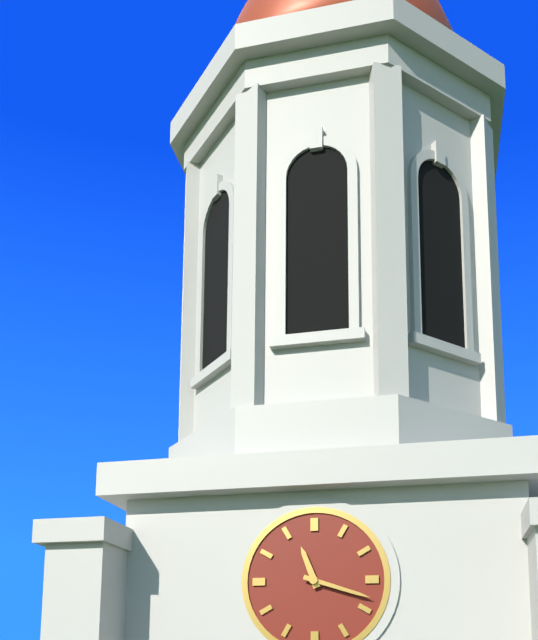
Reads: 11:18
